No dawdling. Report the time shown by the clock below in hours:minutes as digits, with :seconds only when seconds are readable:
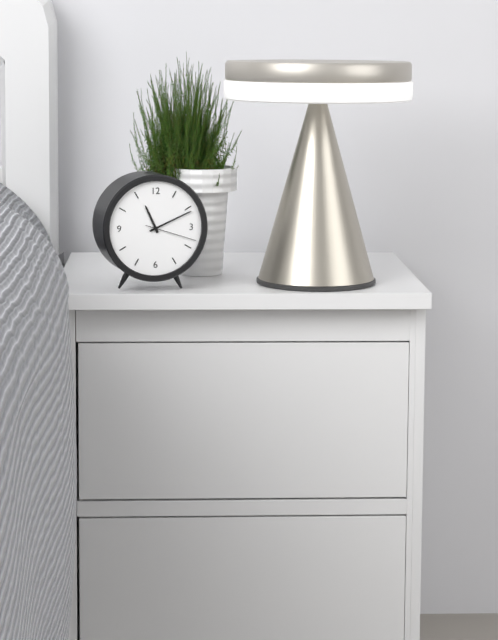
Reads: 11:11:18
